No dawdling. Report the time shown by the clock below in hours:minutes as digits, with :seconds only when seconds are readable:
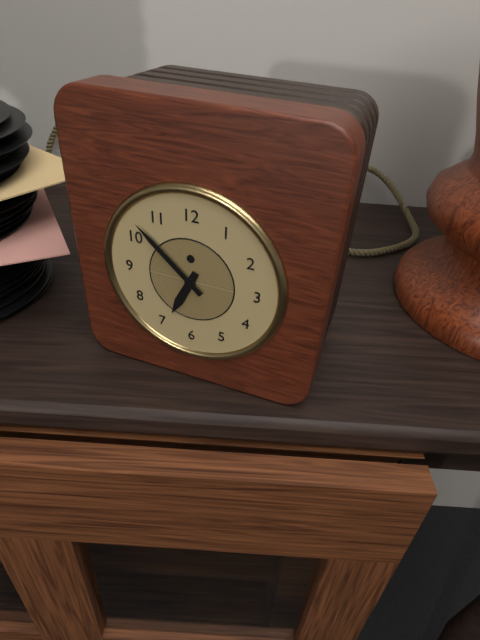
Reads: 6:52
